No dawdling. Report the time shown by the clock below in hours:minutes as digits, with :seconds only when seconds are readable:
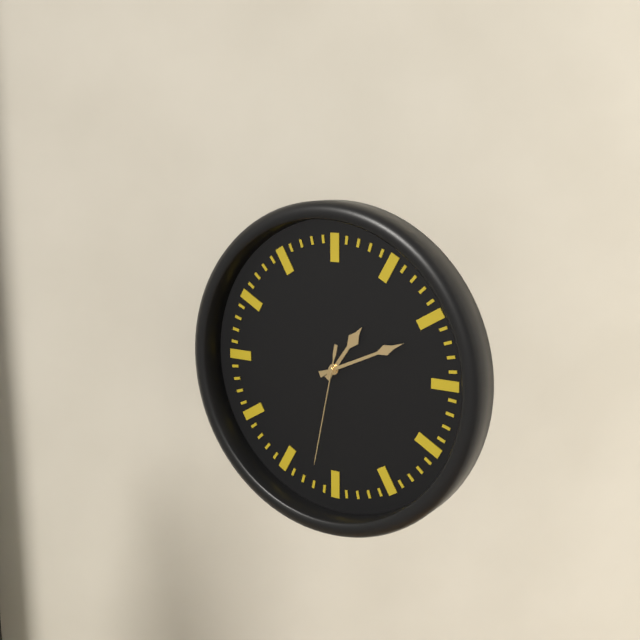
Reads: 1:11:32
